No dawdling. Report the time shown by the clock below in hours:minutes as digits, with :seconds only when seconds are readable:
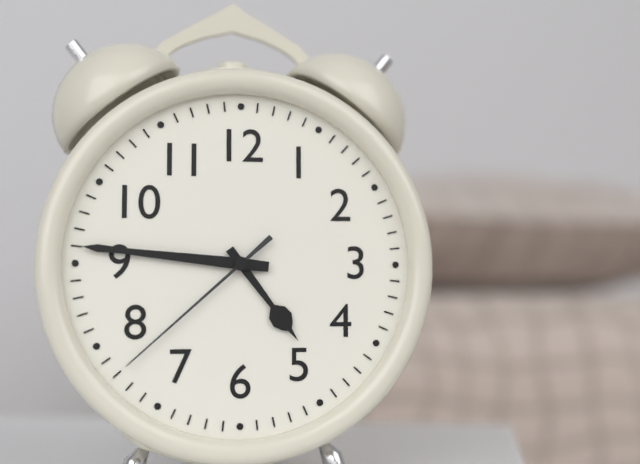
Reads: 4:46:38
